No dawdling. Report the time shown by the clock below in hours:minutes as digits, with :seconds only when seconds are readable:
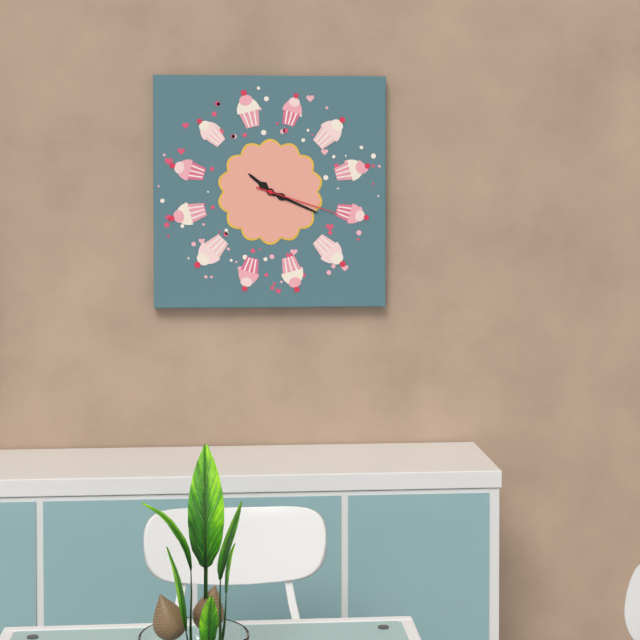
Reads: 10:19:18
